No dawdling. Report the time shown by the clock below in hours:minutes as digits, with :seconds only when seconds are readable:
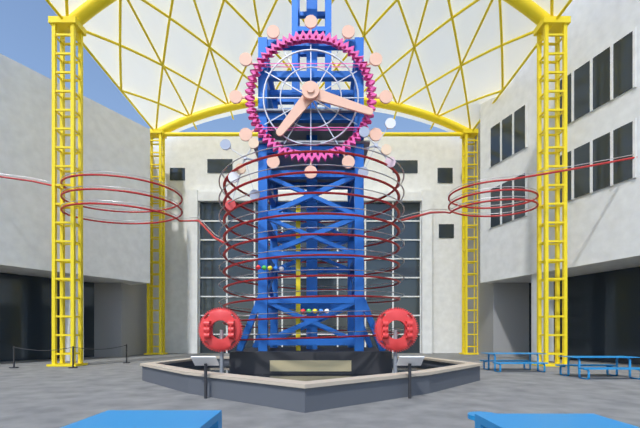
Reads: 7:18
